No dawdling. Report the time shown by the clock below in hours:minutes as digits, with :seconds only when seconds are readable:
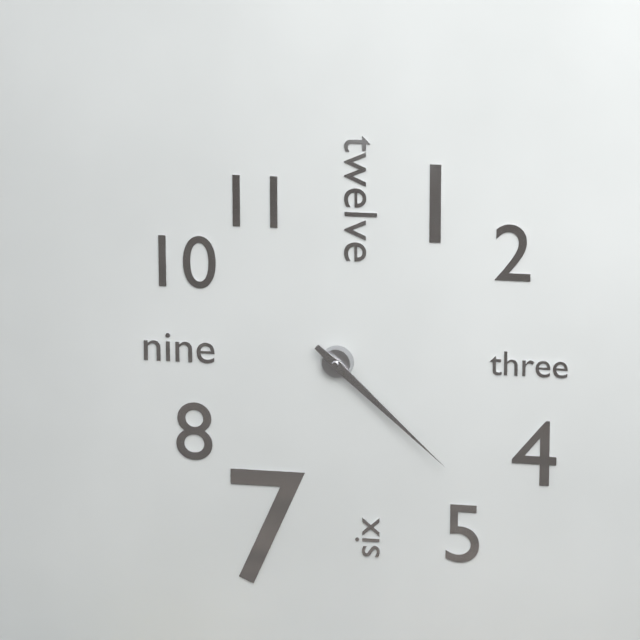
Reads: 4:22
